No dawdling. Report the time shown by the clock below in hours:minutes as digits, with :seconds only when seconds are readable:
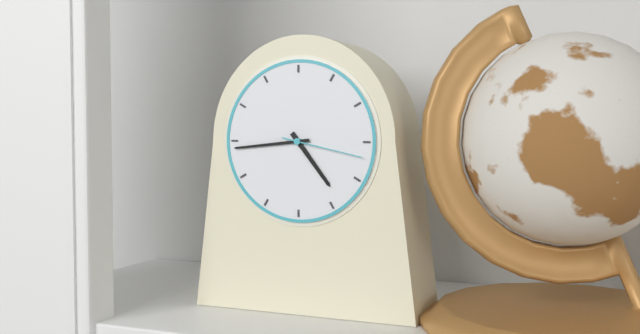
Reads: 4:44:17
